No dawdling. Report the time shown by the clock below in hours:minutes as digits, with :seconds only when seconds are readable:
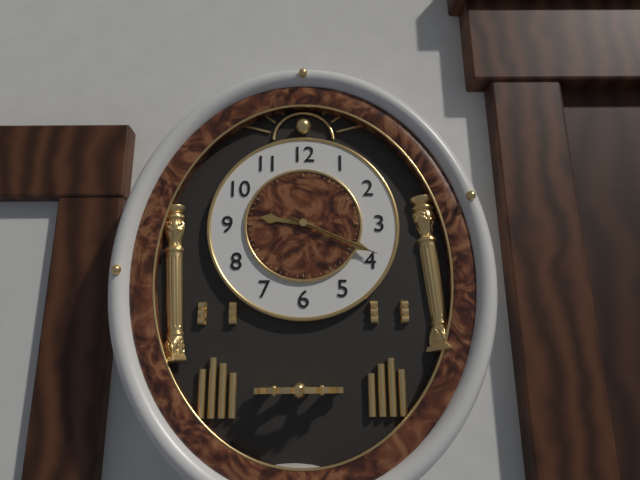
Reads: 9:19:19
